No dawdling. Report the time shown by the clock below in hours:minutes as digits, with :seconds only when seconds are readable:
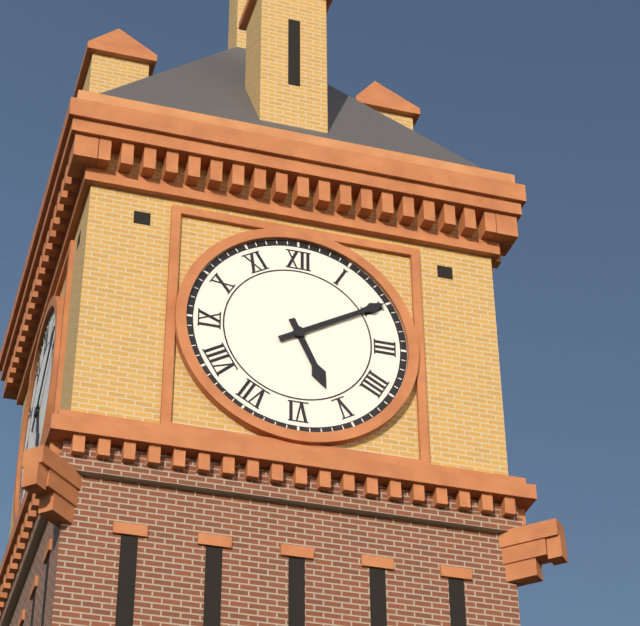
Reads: 5:10
